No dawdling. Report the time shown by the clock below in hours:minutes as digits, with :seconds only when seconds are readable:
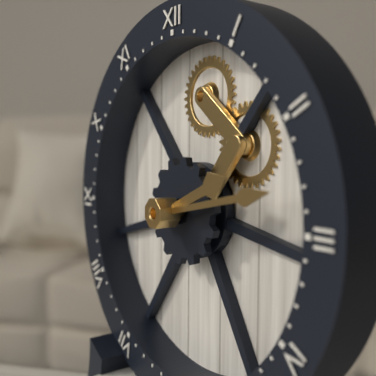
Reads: 2:13
